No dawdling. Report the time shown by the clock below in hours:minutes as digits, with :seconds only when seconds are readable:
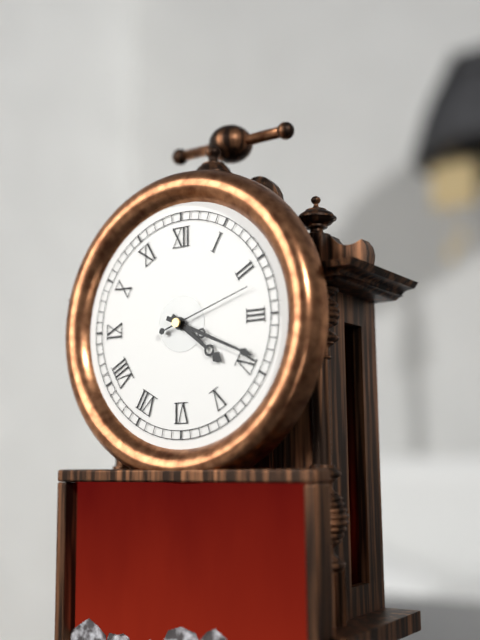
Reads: 4:19:12
